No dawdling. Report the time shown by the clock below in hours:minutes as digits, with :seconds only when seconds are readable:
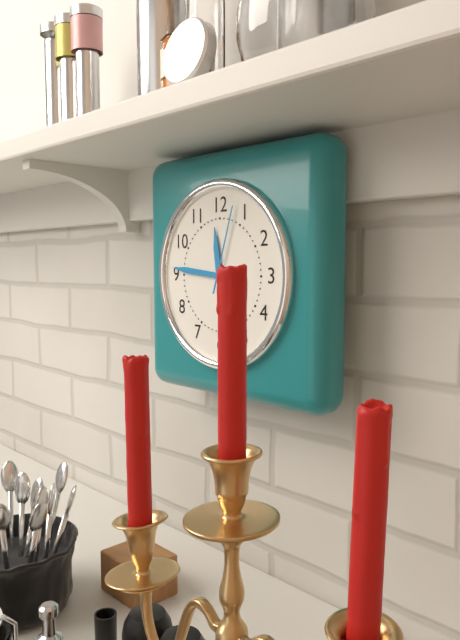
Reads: 11:46:03
